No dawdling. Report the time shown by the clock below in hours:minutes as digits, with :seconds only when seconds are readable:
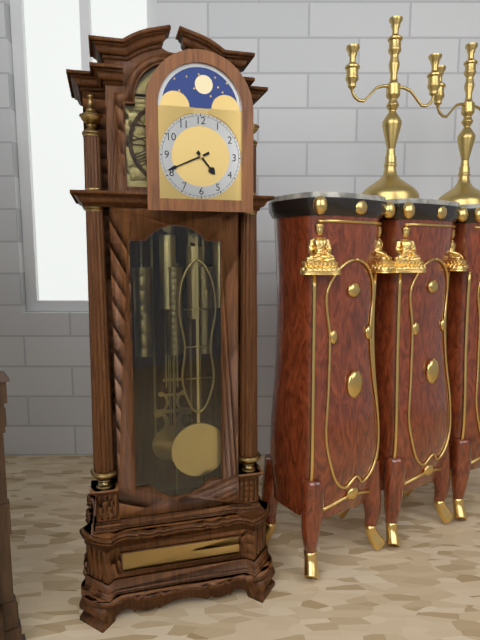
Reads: 4:41
